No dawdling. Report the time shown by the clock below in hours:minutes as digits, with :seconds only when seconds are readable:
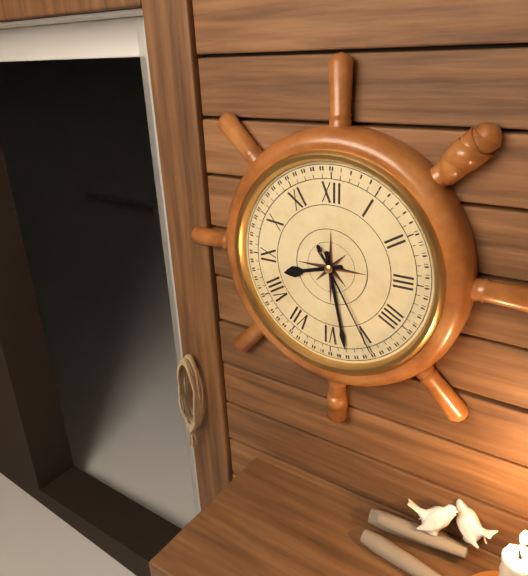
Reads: 8:28:25
